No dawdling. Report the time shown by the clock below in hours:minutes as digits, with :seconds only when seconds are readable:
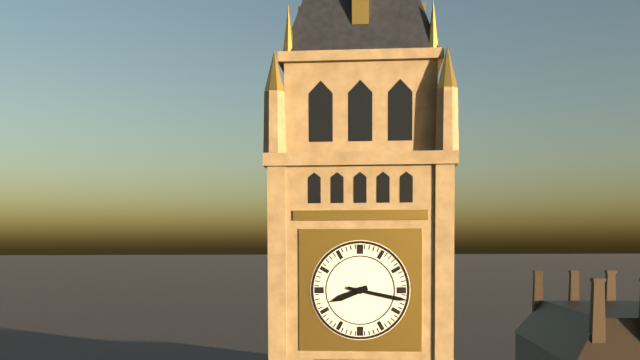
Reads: 8:17
